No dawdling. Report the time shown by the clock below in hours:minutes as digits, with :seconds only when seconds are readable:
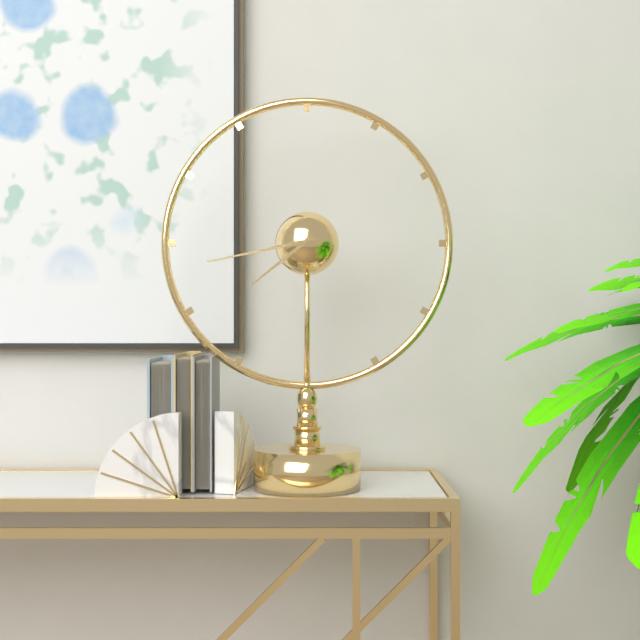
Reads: 7:43
